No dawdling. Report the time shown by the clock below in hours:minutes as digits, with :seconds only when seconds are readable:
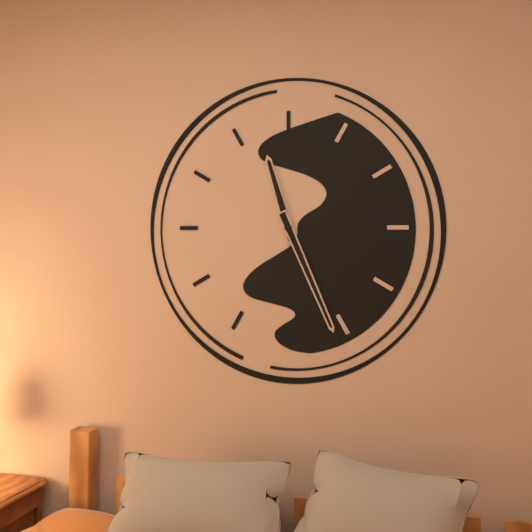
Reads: 11:26
